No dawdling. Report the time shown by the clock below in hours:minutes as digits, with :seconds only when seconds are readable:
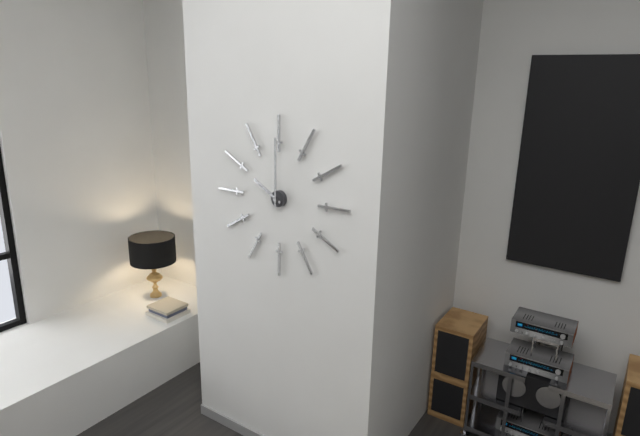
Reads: 10:00
